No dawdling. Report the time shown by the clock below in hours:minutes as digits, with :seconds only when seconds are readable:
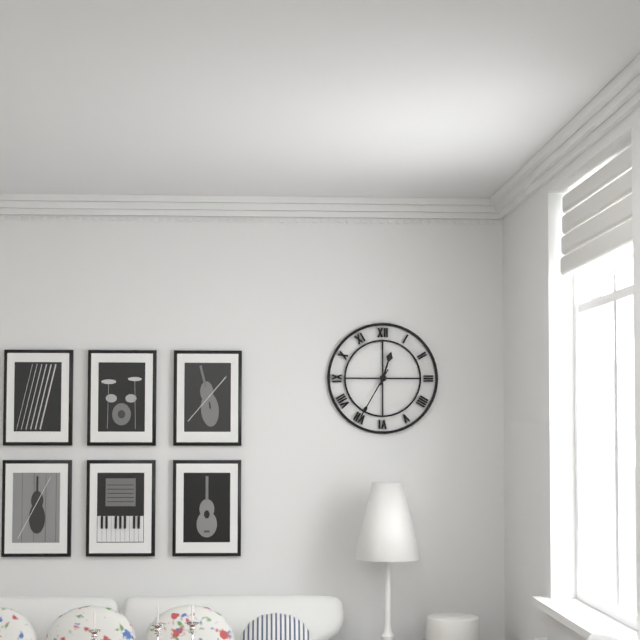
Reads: 12:35
